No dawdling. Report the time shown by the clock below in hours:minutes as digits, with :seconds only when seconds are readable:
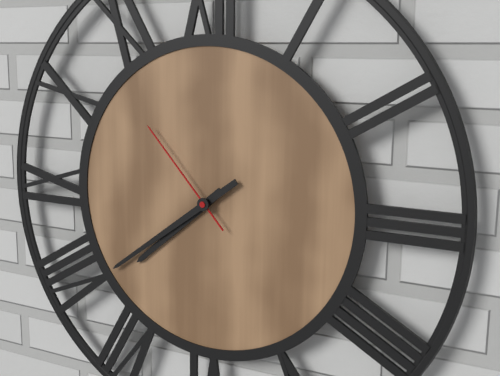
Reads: 7:39:53
